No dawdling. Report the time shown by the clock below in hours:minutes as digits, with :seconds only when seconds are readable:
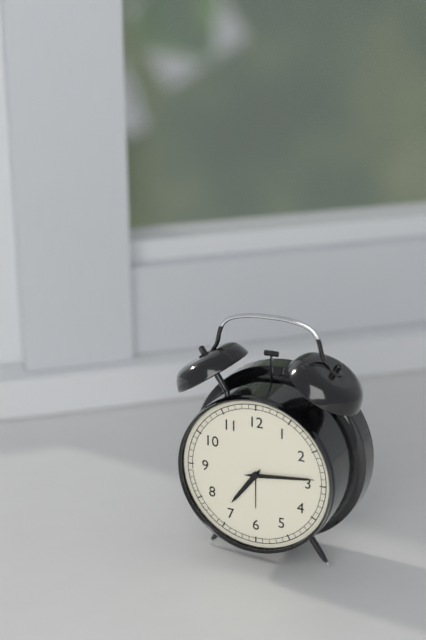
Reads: 7:14
